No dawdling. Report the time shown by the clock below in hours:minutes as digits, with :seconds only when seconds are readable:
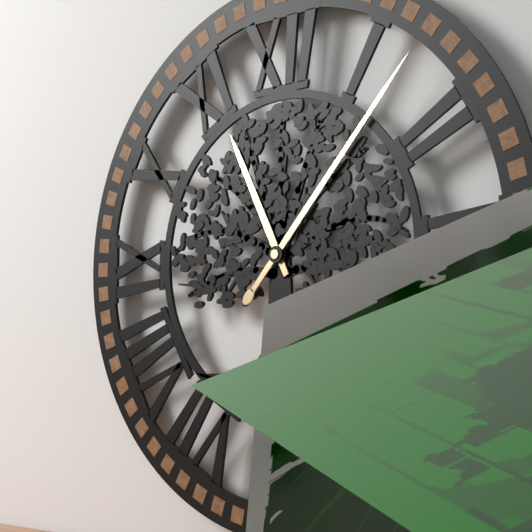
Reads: 11:07
